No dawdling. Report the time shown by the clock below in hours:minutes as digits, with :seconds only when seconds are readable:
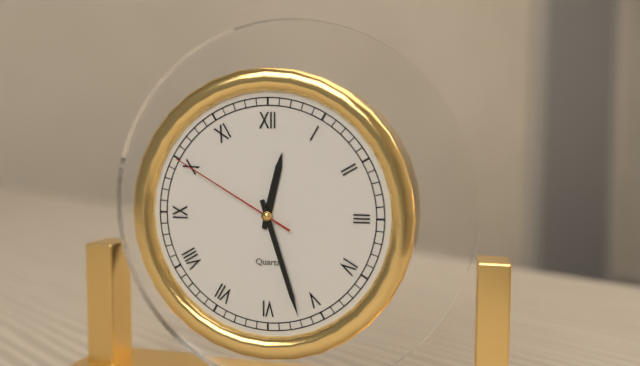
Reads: 12:27:50
